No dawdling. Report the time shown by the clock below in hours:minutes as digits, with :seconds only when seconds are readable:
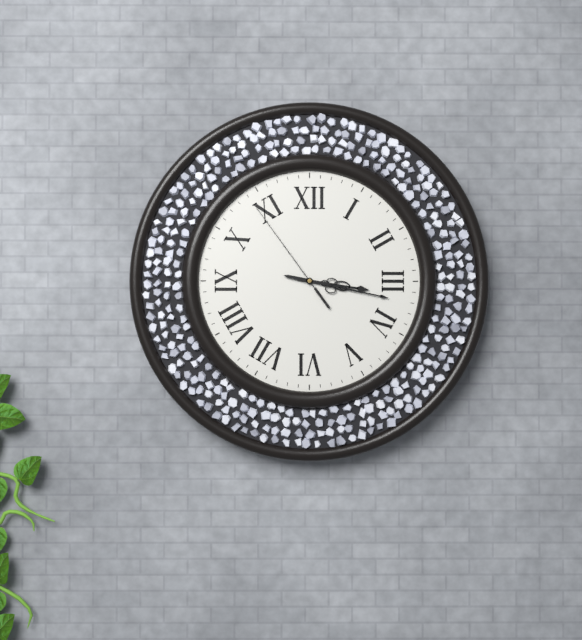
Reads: 3:17:54
